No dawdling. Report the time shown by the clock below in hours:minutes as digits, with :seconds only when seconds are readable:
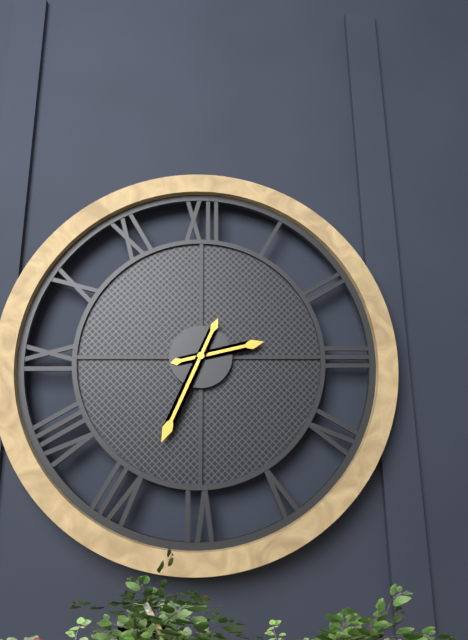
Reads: 2:34
